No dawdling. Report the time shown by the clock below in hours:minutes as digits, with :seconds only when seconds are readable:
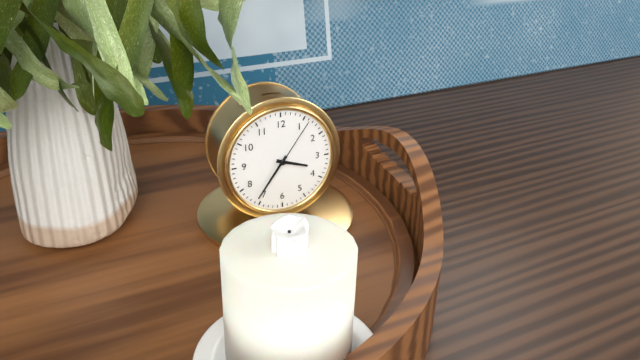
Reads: 3:36:06
